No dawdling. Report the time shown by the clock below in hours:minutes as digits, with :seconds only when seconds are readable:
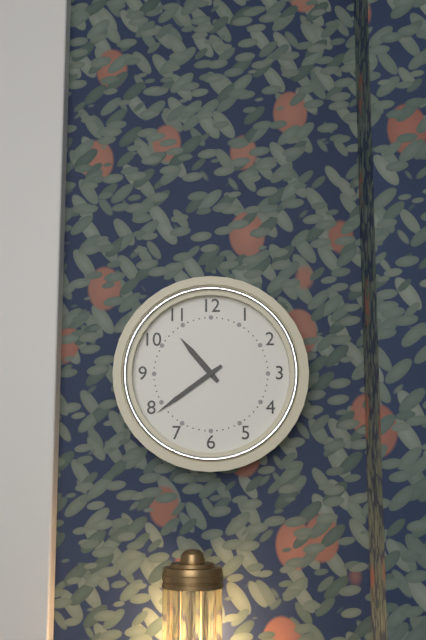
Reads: 10:39
